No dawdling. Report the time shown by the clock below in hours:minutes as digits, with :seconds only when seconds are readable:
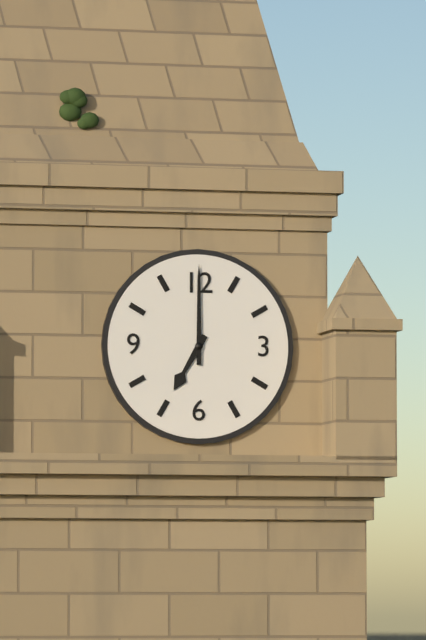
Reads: 7:00
